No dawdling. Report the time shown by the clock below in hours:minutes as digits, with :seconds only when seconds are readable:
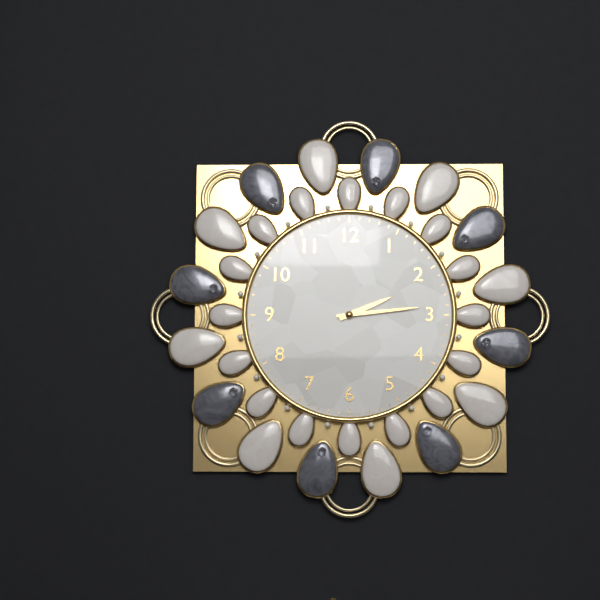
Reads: 2:14
